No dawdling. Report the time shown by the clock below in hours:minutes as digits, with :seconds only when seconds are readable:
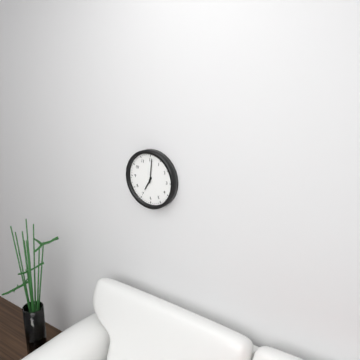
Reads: 7:01
